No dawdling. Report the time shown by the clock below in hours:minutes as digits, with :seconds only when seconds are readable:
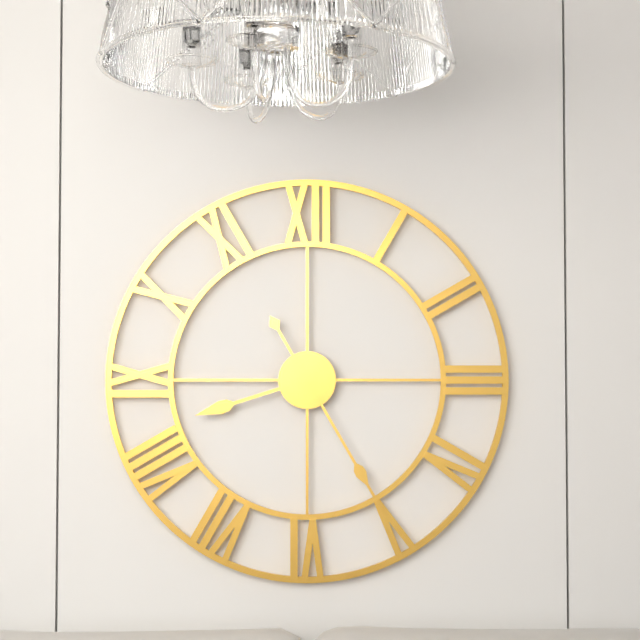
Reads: 8:25
